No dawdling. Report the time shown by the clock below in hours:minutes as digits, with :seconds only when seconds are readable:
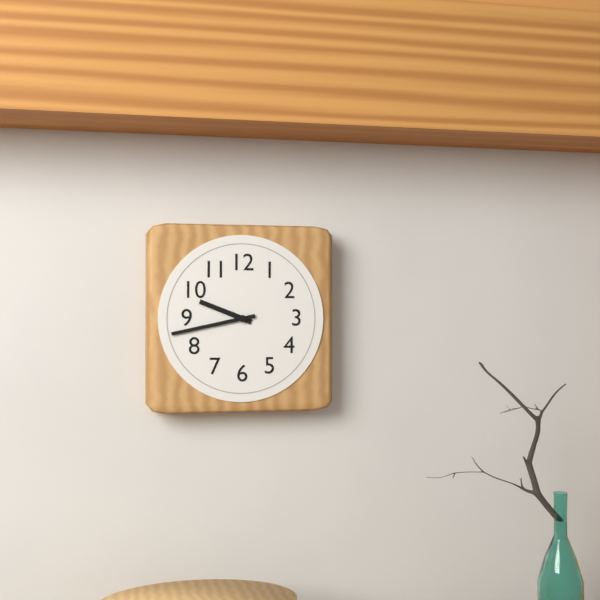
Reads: 9:43
